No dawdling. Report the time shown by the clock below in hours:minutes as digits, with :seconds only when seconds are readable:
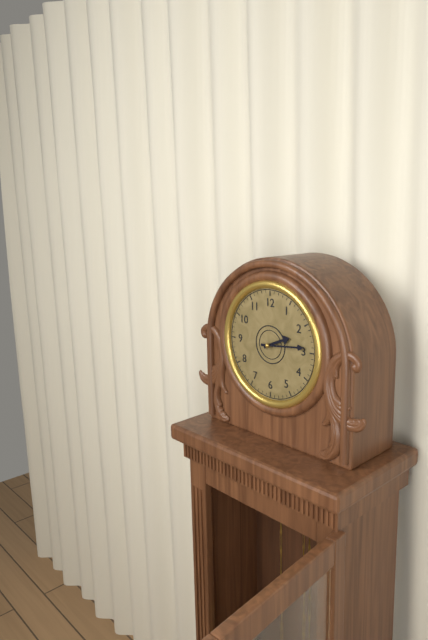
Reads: 2:14
